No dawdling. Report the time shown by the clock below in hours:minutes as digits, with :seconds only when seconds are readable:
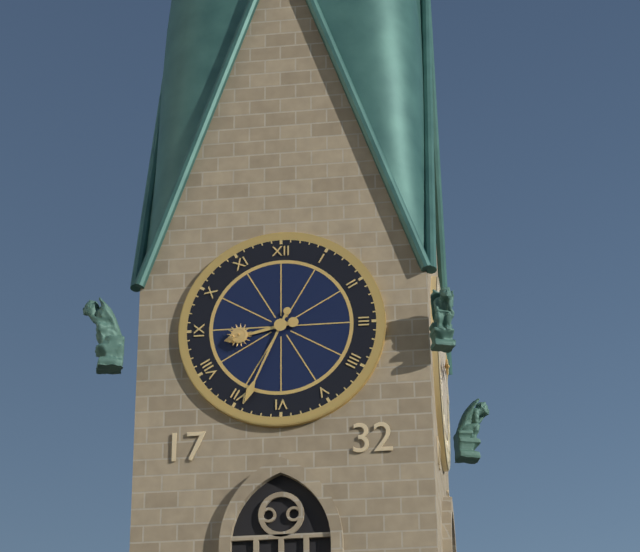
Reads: 8:34
